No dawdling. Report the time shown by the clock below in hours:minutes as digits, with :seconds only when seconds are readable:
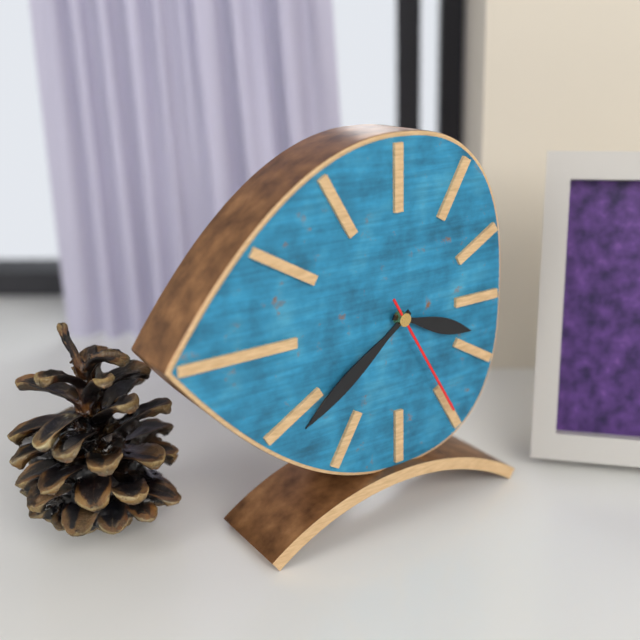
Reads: 3:39:25
